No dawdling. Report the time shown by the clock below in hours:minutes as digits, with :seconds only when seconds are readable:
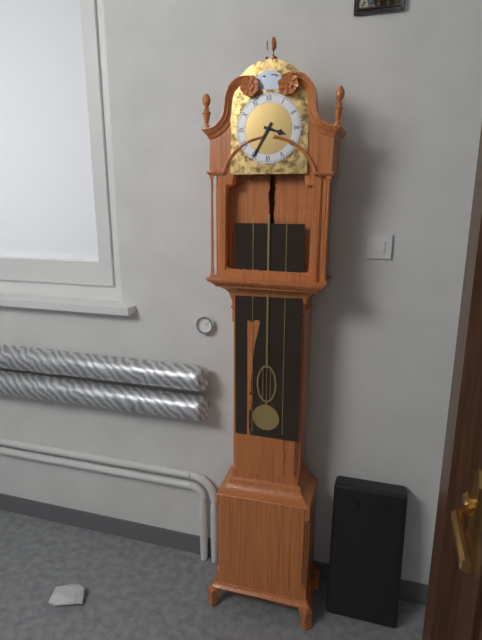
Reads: 3:35
